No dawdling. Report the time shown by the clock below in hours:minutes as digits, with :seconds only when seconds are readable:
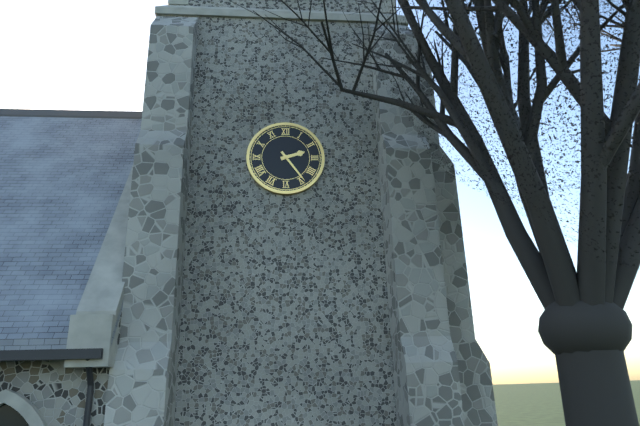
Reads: 2:24
